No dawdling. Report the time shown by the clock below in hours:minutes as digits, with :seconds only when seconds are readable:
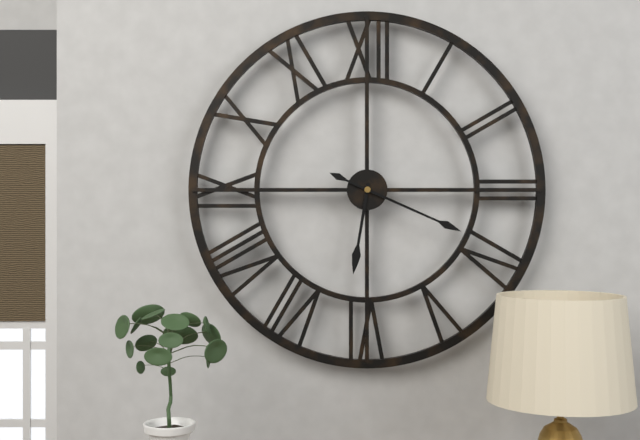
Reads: 6:19
